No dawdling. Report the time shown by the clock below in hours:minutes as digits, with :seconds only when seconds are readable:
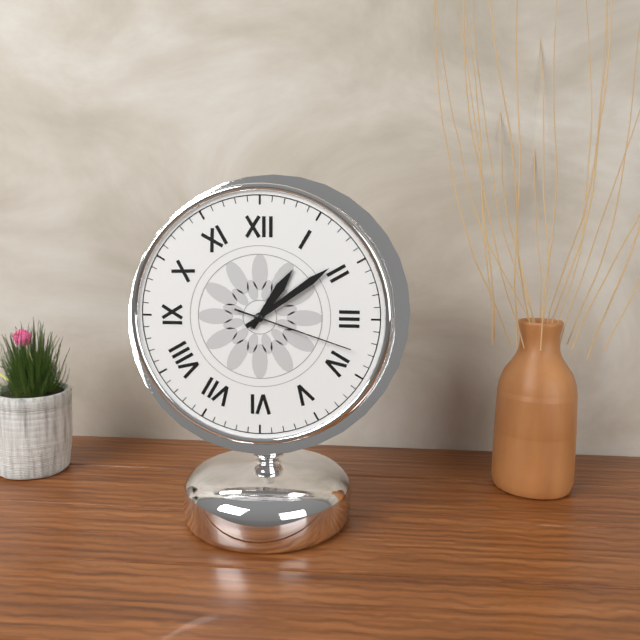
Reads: 1:09:18
